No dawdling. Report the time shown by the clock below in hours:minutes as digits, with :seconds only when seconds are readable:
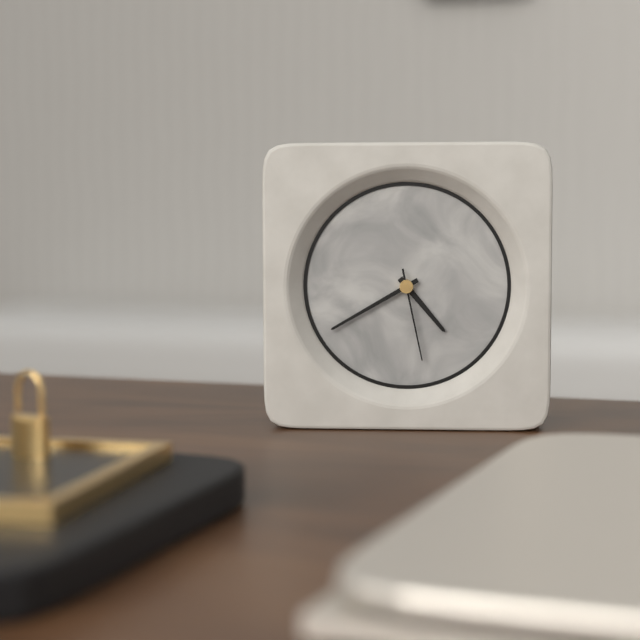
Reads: 4:40:28
